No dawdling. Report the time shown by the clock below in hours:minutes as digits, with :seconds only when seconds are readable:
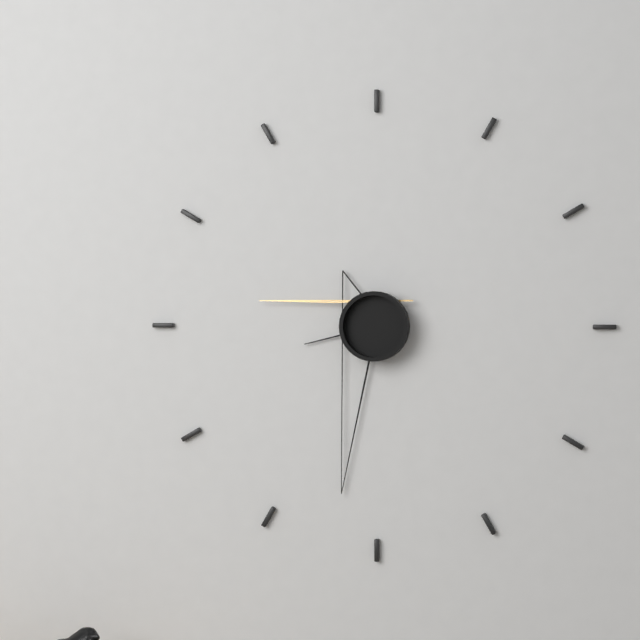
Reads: 8:32:47
